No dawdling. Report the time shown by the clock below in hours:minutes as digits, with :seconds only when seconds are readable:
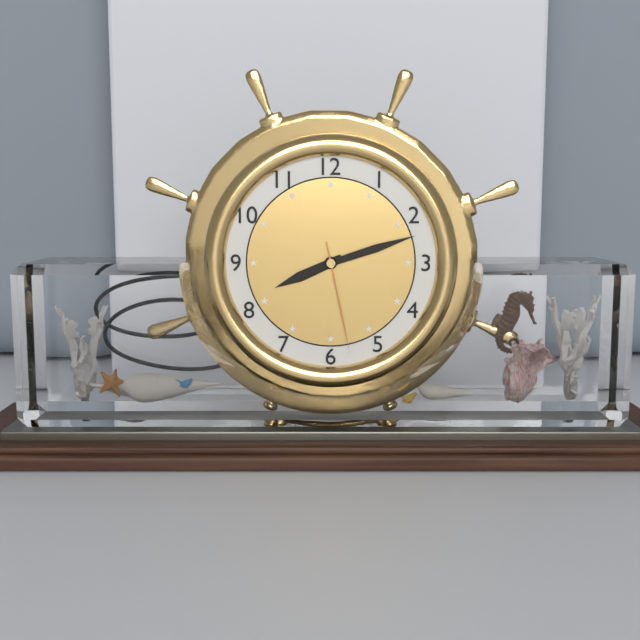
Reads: 8:12:28
